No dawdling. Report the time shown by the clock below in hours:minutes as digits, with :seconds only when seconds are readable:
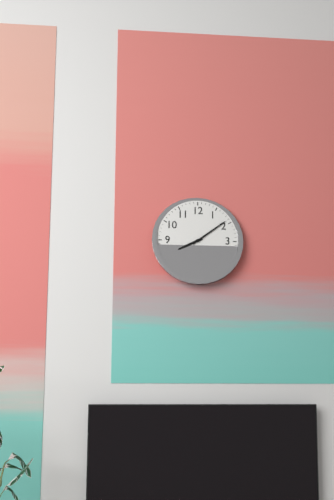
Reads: 8:09
